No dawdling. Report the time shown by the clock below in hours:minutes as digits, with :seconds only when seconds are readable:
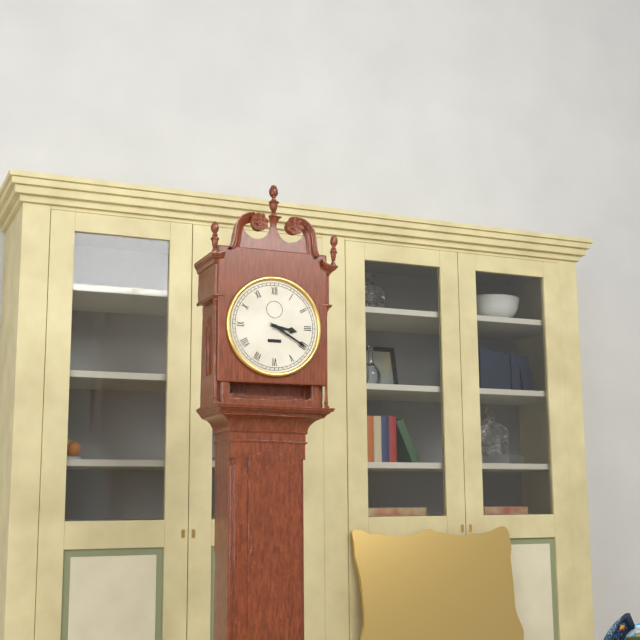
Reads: 3:20
